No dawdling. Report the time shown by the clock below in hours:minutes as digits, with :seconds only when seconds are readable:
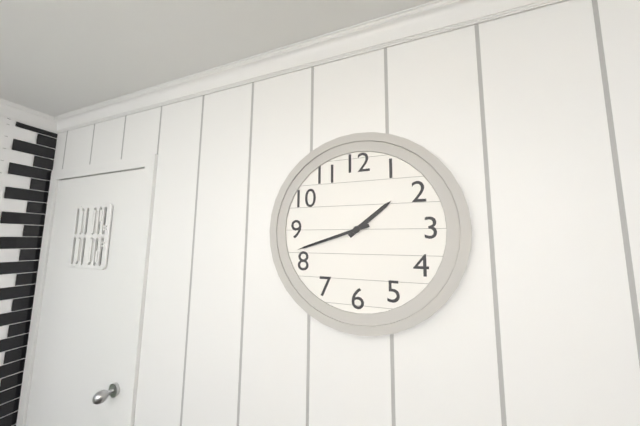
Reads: 1:42
